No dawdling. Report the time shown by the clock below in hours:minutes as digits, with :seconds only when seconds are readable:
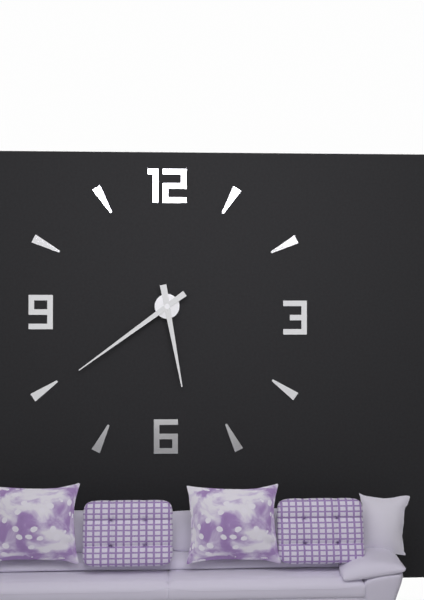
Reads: 5:39
